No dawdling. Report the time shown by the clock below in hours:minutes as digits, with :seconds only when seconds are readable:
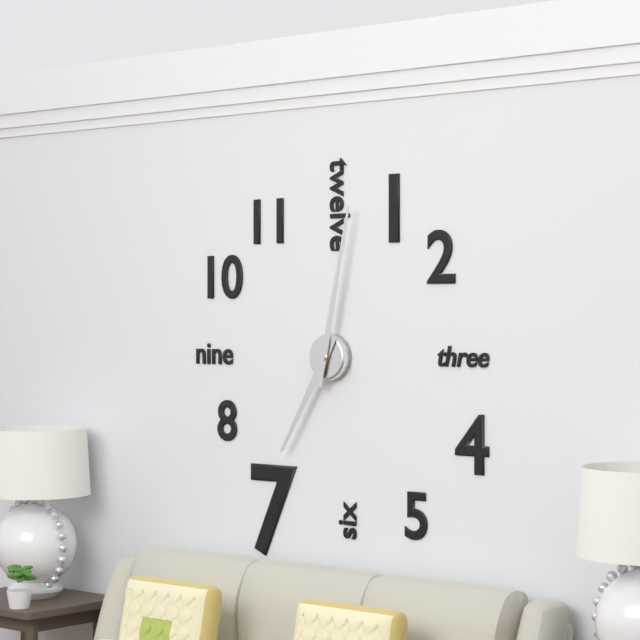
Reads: 7:02
